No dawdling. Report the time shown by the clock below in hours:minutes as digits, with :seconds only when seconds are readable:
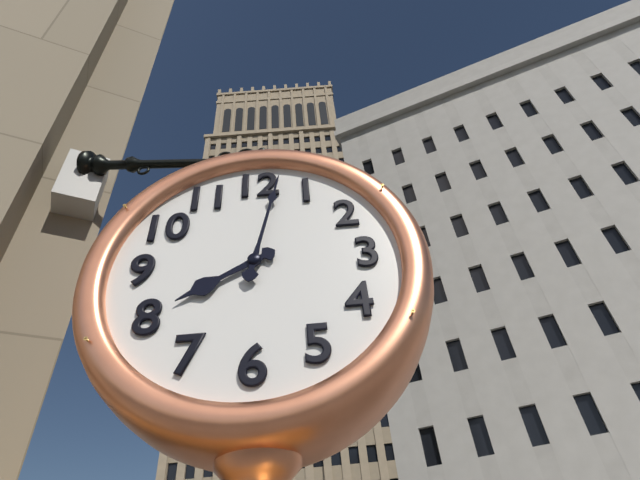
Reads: 8:02
